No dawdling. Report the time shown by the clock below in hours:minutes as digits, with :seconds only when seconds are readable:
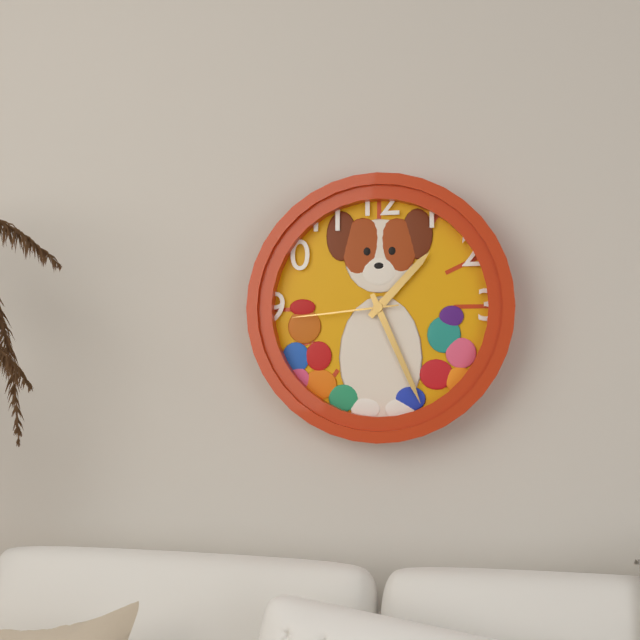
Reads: 1:26:44
